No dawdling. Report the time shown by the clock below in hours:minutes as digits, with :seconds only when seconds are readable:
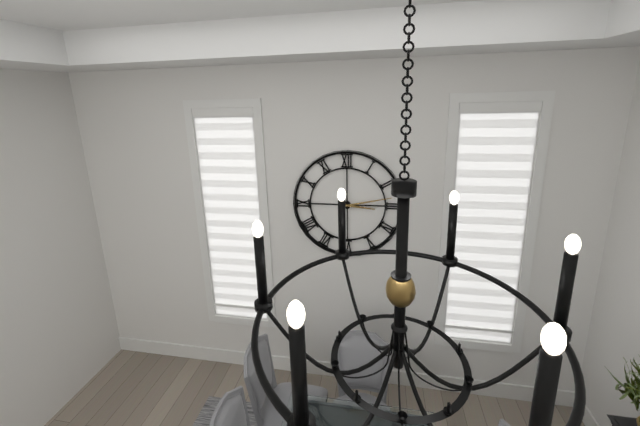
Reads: 3:13
